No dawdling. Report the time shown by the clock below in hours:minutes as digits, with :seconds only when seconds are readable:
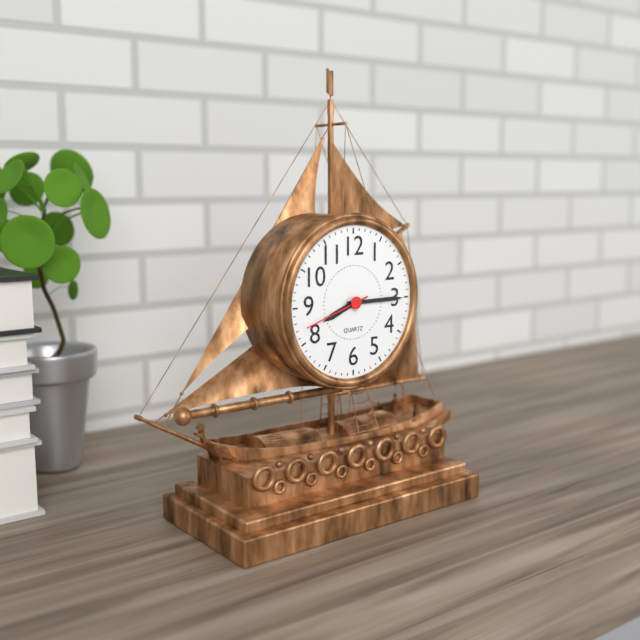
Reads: 8:15:42
